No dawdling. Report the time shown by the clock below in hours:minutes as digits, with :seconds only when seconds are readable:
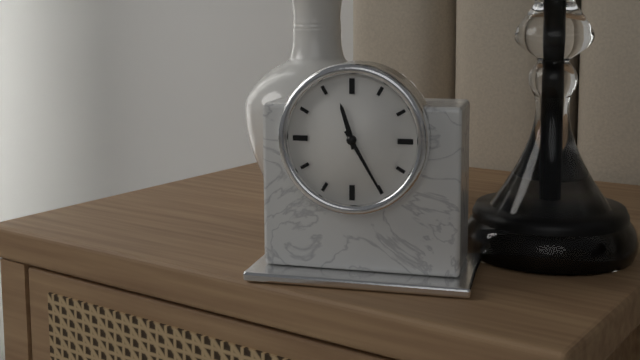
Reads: 11:25
